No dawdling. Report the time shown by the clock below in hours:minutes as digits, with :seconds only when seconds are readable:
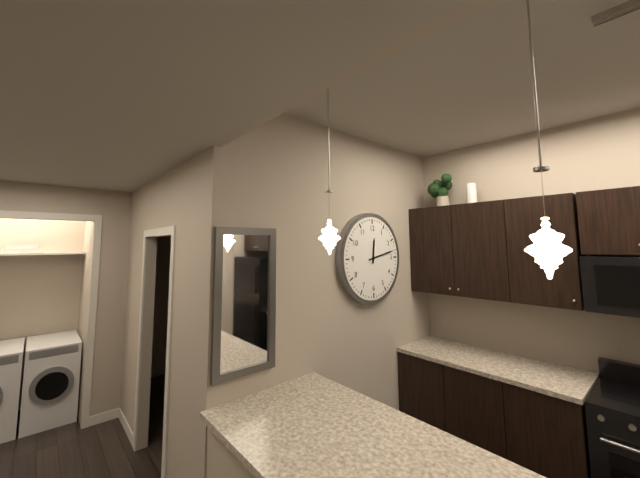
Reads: 12:13
